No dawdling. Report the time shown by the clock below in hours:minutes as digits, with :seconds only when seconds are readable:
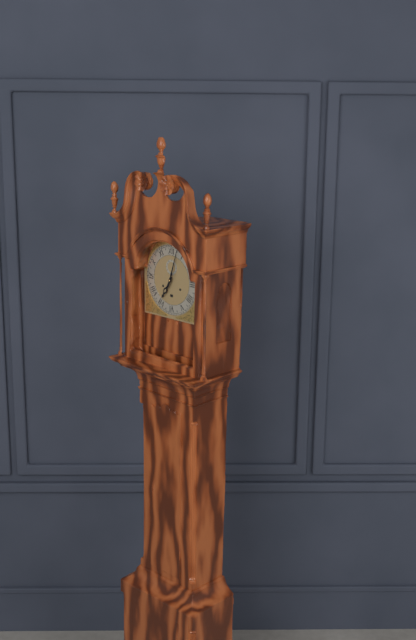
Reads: 7:03
